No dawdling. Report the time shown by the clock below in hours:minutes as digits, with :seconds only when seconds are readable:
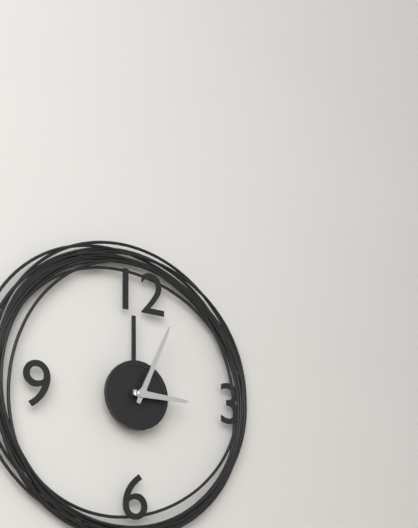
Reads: 3:04
